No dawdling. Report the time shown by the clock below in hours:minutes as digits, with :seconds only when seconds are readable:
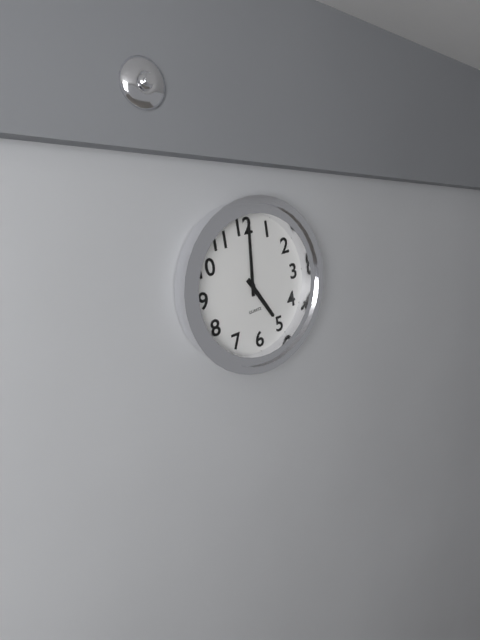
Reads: 5:01
